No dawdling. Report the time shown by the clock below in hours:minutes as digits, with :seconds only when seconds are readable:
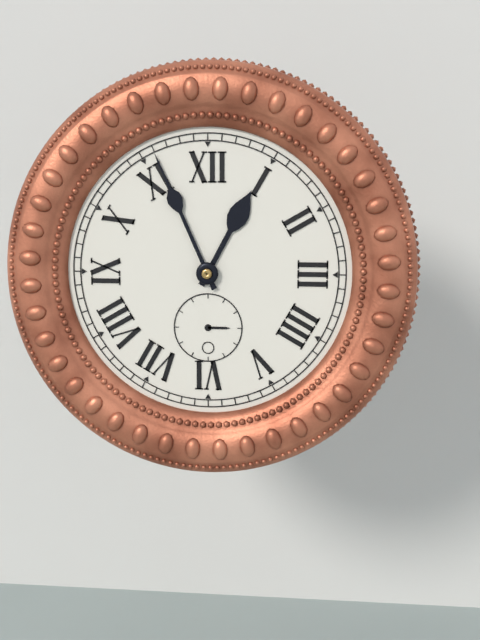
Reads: 12:56
